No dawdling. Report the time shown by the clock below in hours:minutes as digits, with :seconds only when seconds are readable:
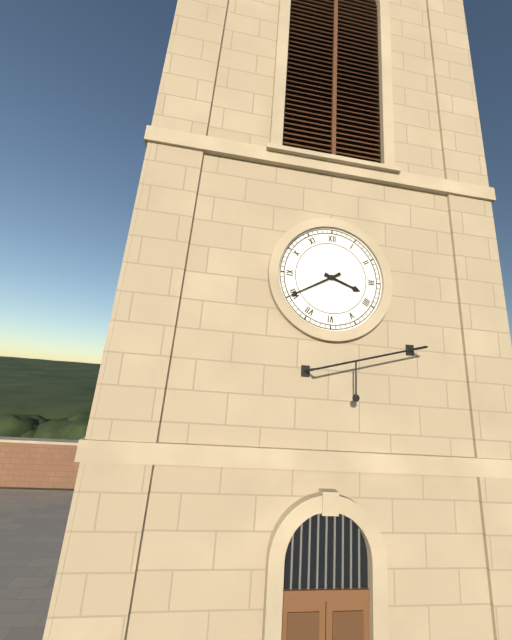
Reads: 3:40
